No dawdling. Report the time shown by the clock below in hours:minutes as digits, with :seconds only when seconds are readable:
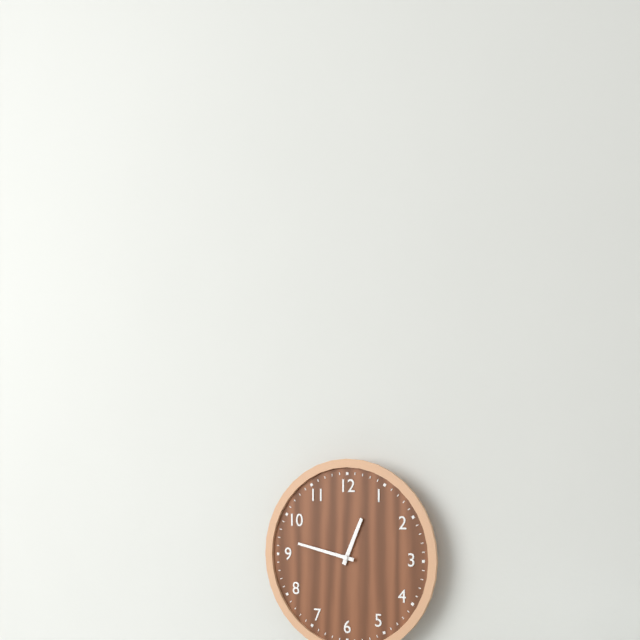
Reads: 12:47
